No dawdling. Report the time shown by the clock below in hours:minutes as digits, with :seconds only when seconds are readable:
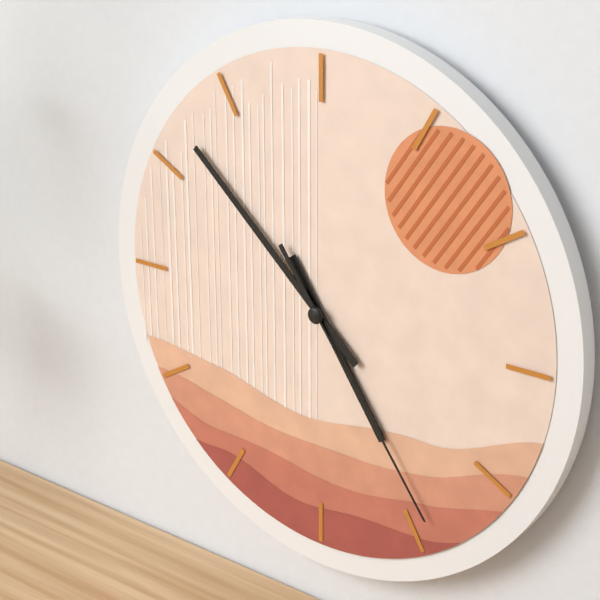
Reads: 4:52:24
